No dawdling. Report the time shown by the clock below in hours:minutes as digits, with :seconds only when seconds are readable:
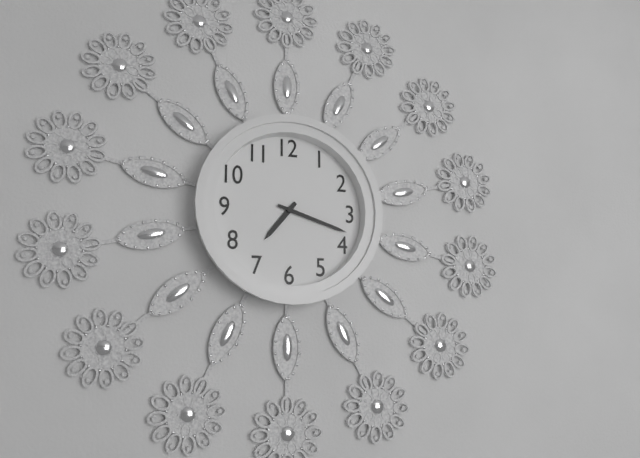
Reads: 7:18
